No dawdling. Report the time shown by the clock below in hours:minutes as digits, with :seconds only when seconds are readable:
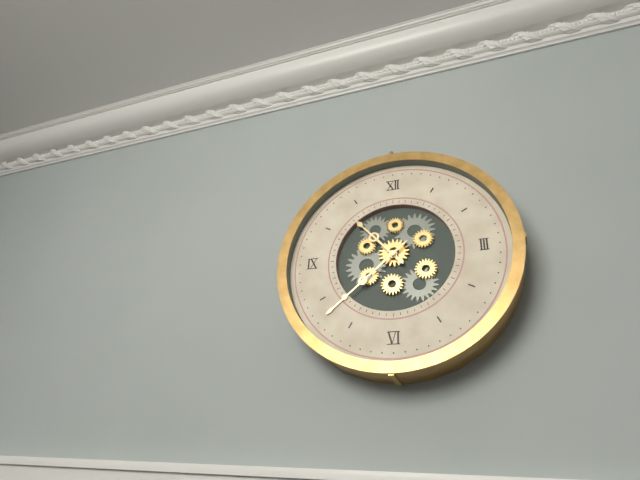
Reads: 10:38
